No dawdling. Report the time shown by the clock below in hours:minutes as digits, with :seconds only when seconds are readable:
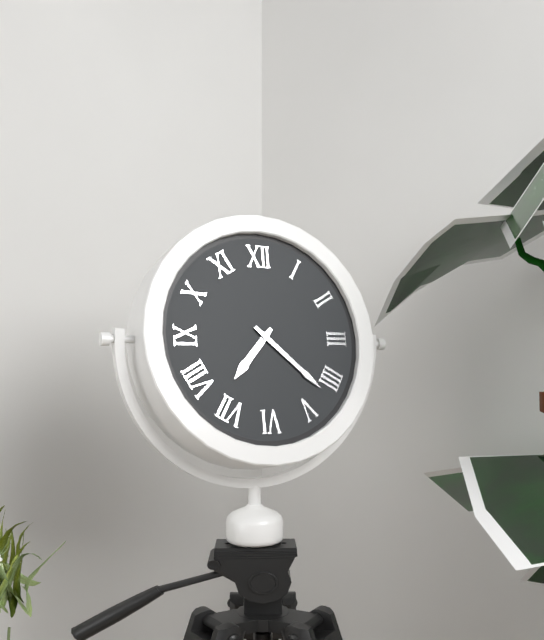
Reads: 7:22
